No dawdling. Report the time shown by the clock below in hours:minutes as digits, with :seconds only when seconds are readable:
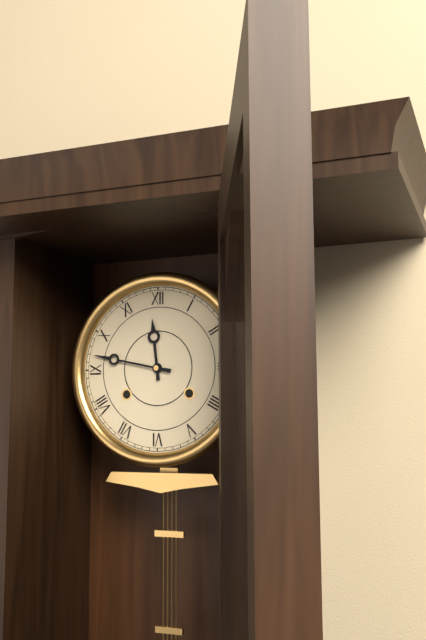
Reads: 11:47
